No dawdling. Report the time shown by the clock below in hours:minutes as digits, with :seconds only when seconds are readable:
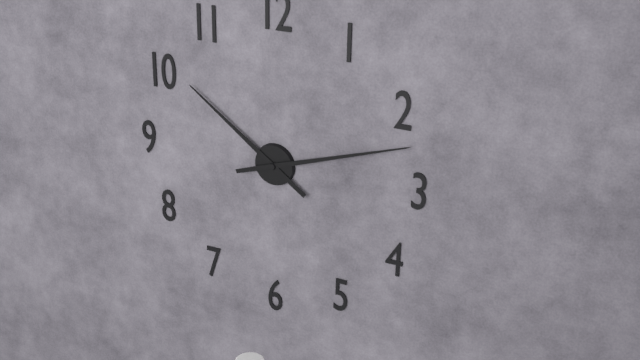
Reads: 10:12
